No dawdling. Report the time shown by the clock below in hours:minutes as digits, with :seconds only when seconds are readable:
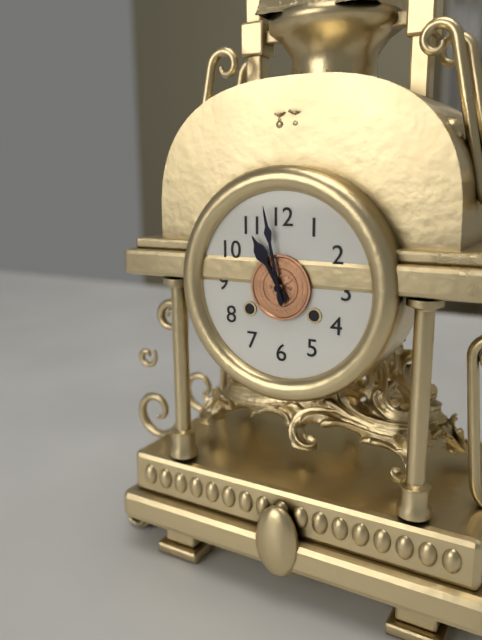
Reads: 10:58
